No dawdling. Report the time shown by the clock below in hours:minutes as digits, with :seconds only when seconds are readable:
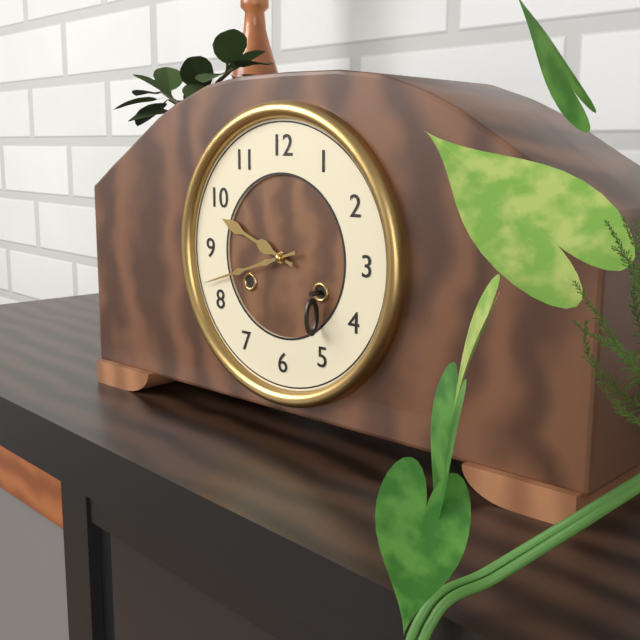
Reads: 9:42
